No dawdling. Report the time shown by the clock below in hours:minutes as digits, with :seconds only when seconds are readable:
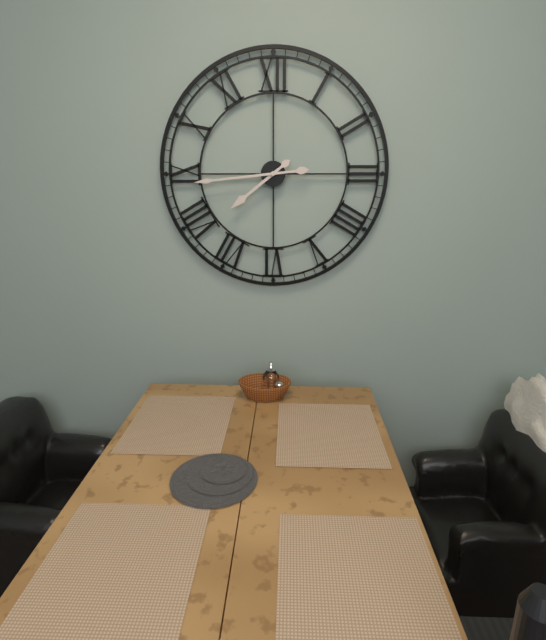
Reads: 7:44
